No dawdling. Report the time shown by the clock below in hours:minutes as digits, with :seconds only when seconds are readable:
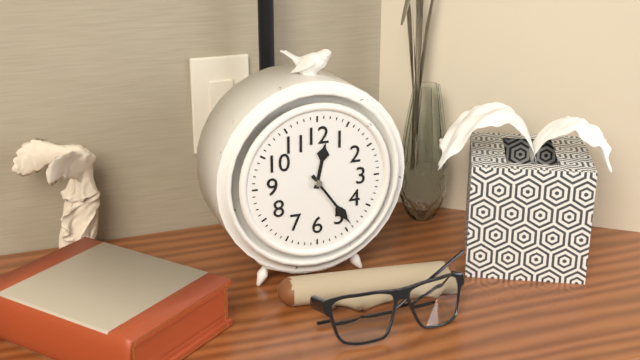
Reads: 12:24
